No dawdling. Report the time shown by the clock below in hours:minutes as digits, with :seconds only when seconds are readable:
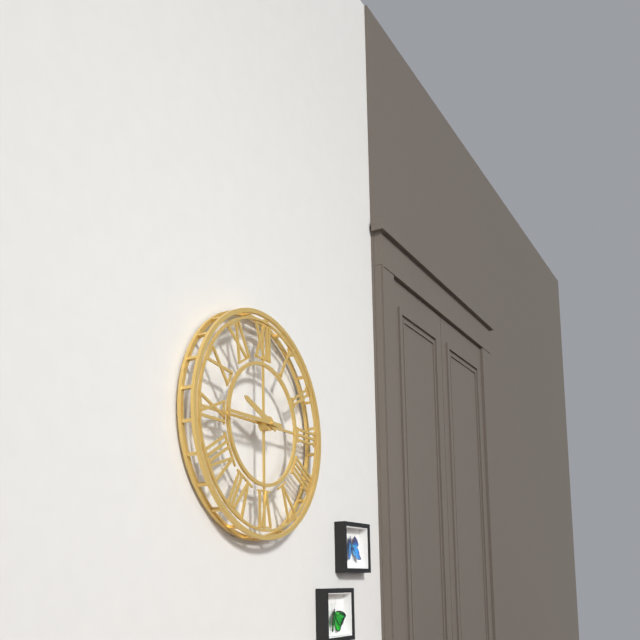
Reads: 9:45
